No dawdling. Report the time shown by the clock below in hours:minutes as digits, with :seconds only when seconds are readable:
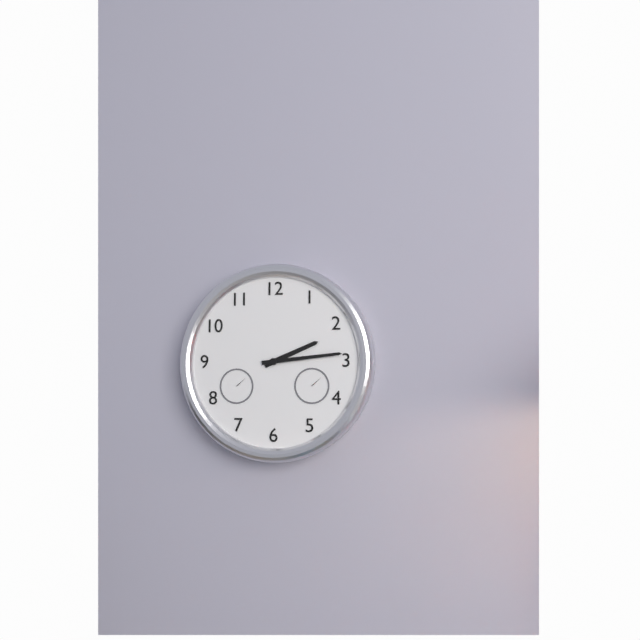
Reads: 2:14
